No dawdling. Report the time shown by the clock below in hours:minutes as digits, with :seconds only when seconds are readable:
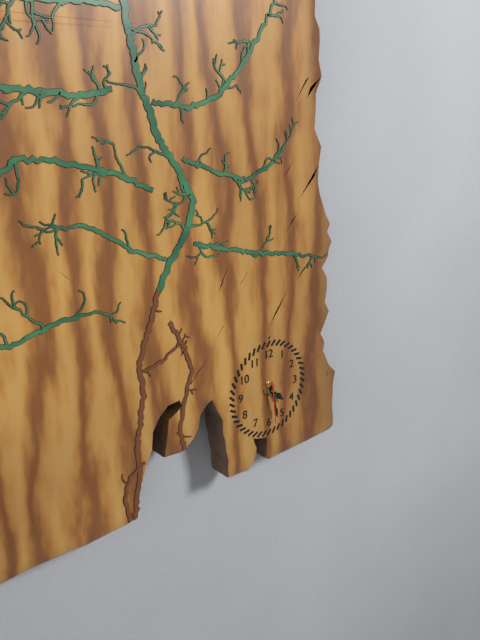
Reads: 4:28
